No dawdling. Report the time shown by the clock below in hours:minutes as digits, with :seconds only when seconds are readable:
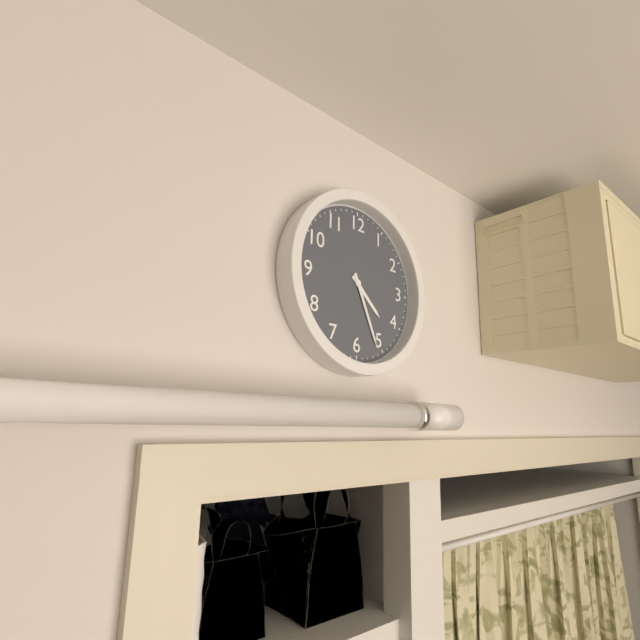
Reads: 4:26
